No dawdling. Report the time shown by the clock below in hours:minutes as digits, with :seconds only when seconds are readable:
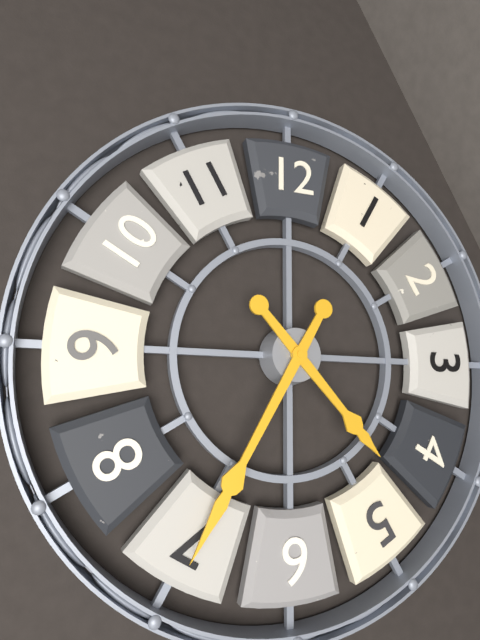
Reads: 4:35
